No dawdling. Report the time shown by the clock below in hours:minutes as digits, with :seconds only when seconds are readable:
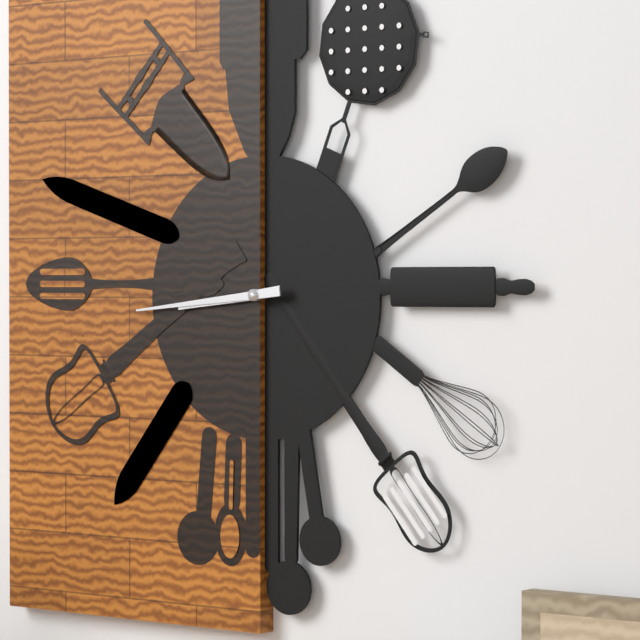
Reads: 8:44
